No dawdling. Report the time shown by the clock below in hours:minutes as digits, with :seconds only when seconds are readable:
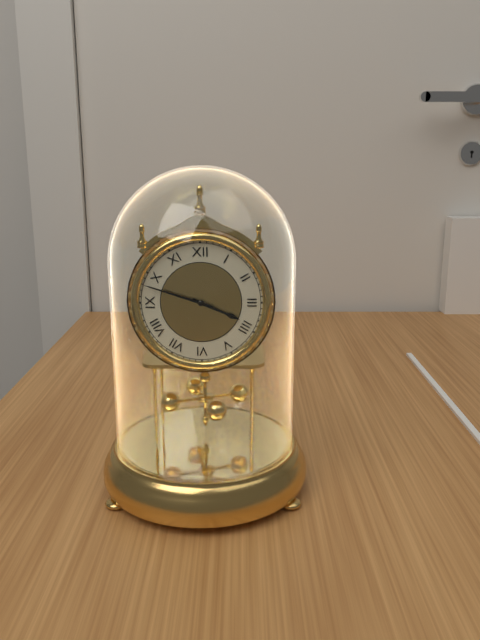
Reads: 3:48
